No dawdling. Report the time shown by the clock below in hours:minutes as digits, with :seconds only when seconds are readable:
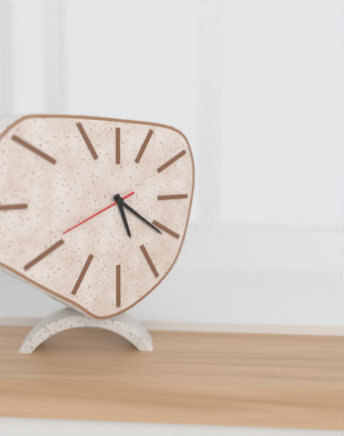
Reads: 5:21:41
